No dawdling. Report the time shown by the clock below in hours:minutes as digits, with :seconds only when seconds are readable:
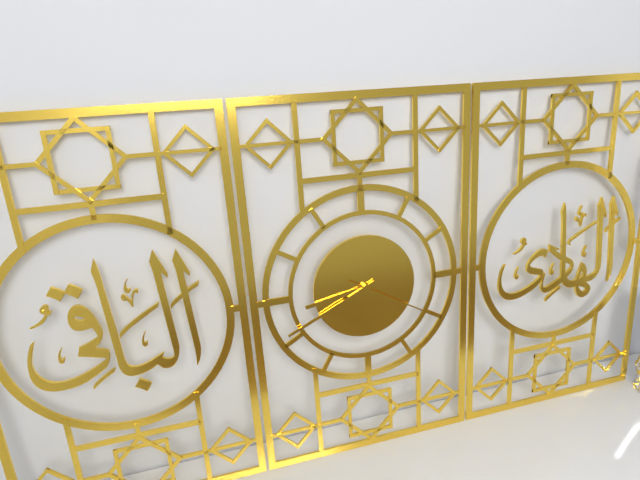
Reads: 8:41:20
